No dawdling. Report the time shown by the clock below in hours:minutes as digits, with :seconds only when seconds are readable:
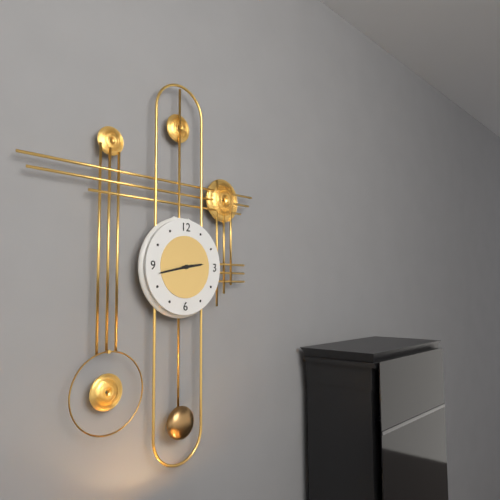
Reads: 2:43
